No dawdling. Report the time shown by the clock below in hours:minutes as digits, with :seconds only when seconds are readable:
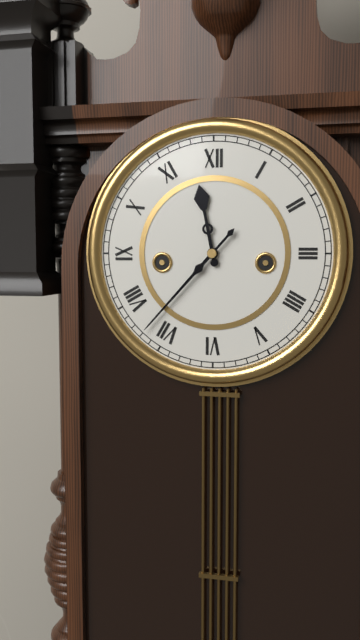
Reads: 11:37
